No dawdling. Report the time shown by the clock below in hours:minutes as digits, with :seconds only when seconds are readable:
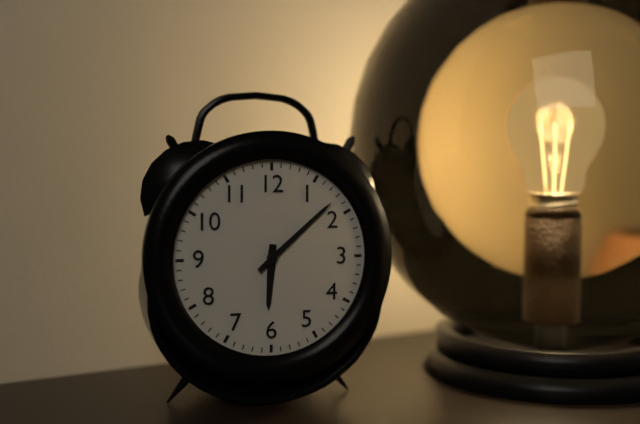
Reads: 6:08
